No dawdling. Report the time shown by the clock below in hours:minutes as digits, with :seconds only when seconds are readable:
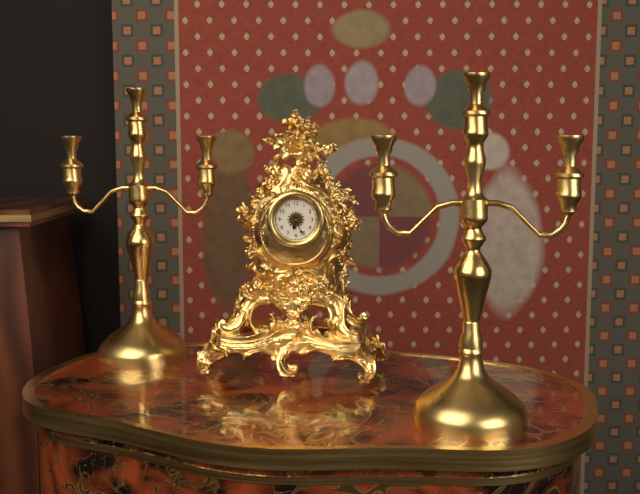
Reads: 6:26
